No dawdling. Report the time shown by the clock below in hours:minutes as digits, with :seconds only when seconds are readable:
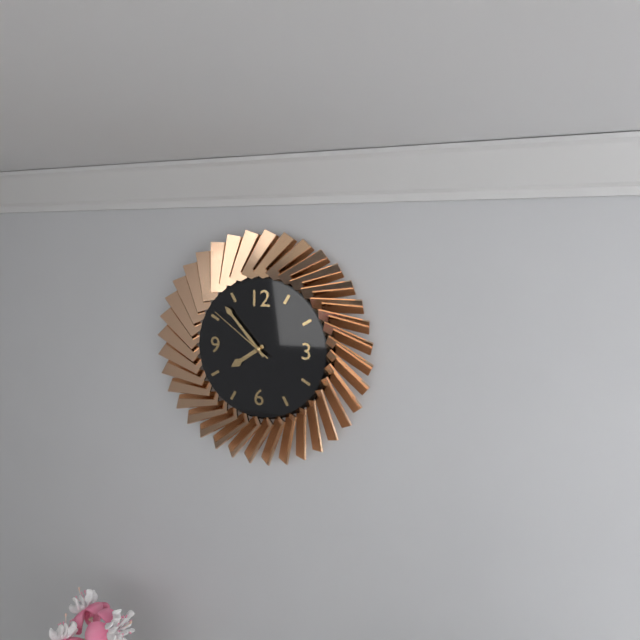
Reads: 7:53:51
